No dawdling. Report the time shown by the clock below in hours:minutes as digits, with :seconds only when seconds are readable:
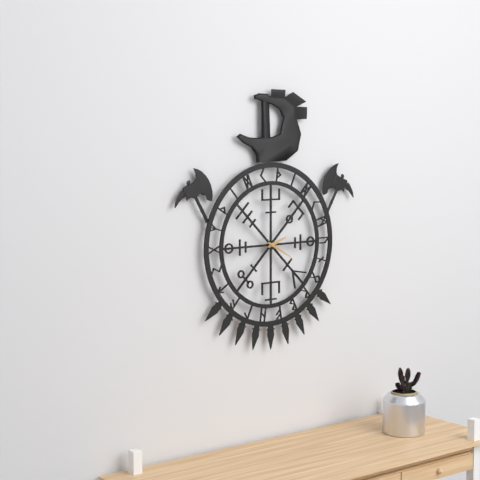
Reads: 2:20
